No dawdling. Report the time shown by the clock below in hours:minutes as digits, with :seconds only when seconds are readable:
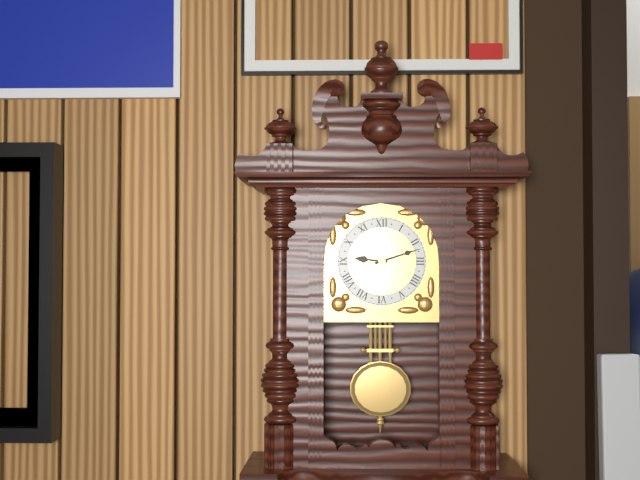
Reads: 9:12
